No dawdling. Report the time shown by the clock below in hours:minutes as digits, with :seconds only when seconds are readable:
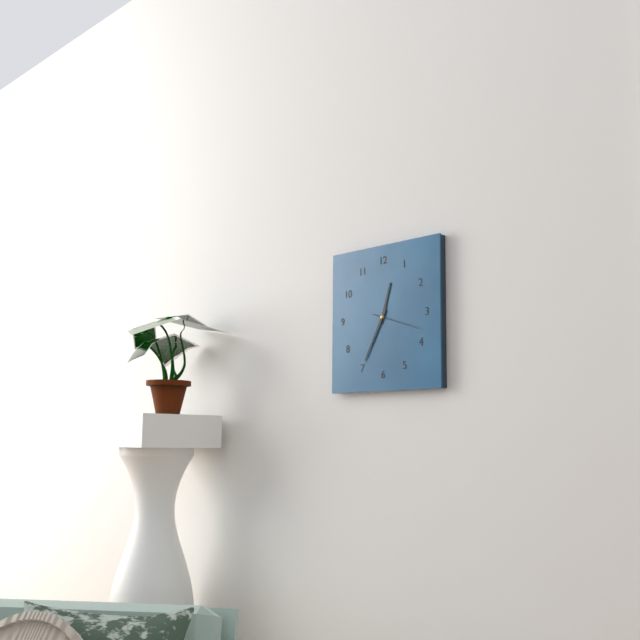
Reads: 12:35
